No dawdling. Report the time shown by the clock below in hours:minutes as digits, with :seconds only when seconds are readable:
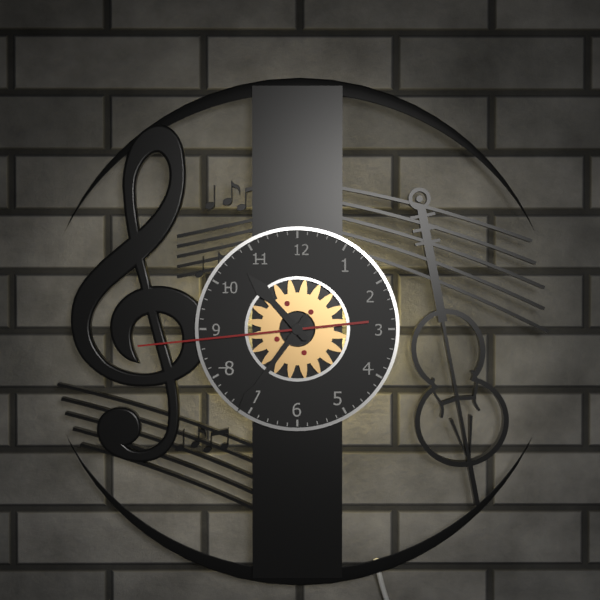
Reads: 10:36:44
